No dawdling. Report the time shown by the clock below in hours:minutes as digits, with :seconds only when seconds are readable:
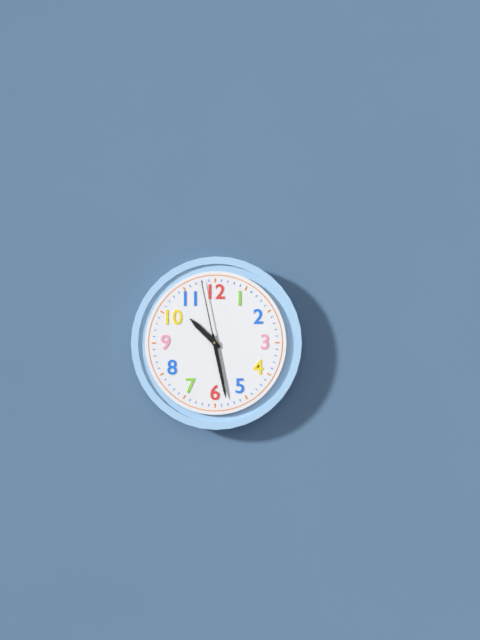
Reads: 10:28:58
